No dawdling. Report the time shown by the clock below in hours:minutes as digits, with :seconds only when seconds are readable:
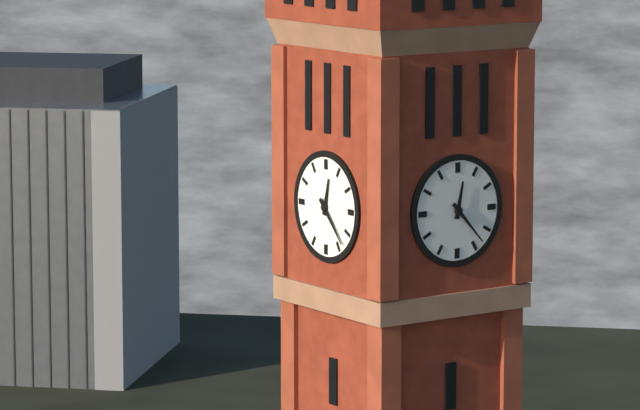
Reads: 12:23
